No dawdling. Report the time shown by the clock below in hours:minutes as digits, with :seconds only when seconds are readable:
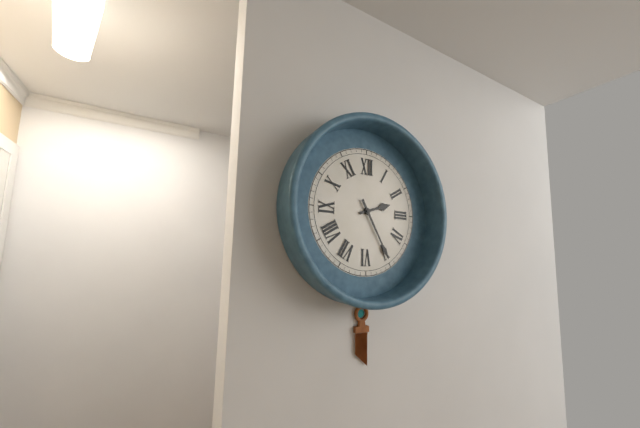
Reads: 2:25
